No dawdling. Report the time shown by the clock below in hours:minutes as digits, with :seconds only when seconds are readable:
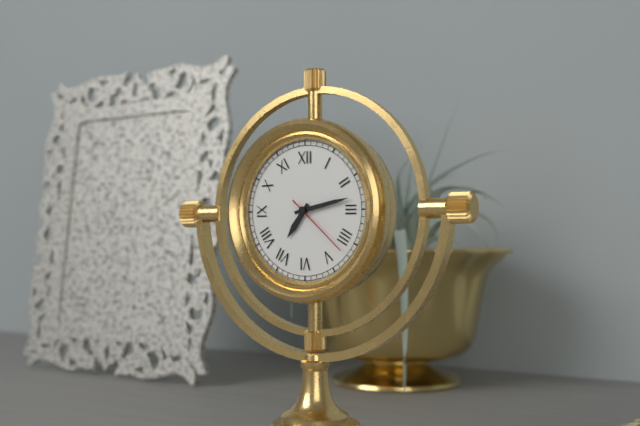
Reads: 7:13:22
